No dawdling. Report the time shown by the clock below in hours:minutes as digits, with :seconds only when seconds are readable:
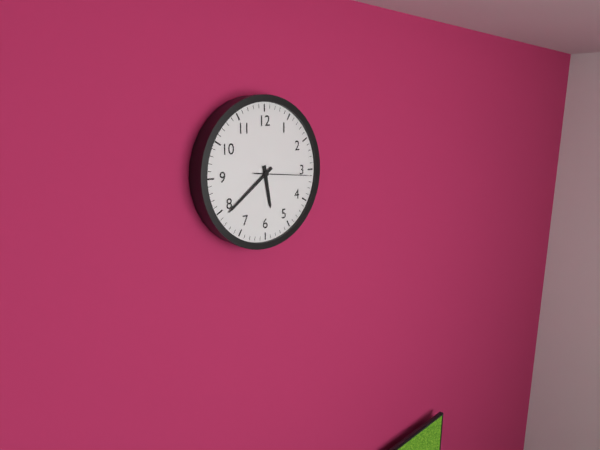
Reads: 5:39:16
